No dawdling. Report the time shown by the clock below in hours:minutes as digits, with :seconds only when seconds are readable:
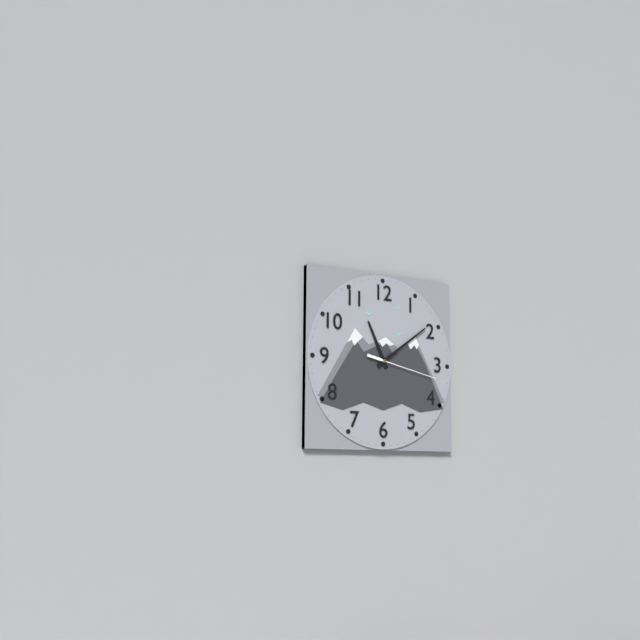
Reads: 11:09:17
